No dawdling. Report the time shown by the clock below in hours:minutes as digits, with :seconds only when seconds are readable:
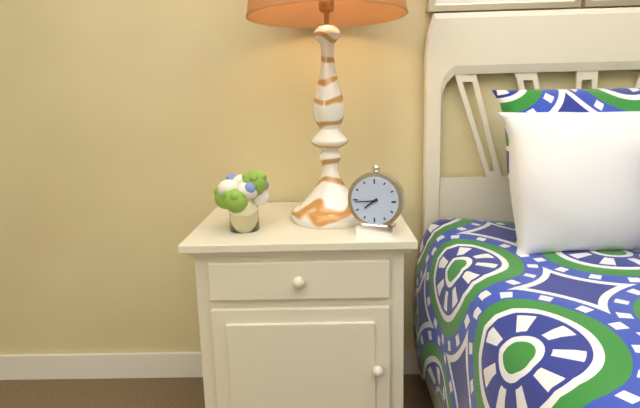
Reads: 7:44
